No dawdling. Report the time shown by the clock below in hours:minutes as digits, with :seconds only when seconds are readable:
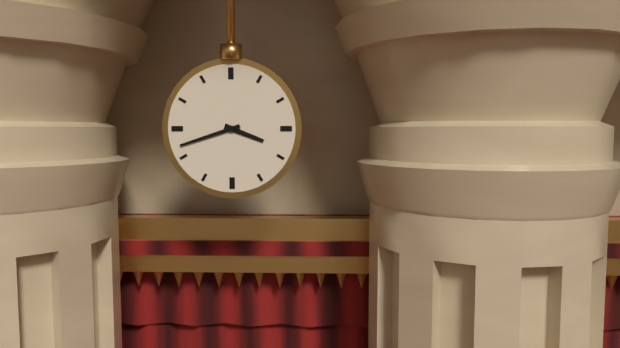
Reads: 3:42
